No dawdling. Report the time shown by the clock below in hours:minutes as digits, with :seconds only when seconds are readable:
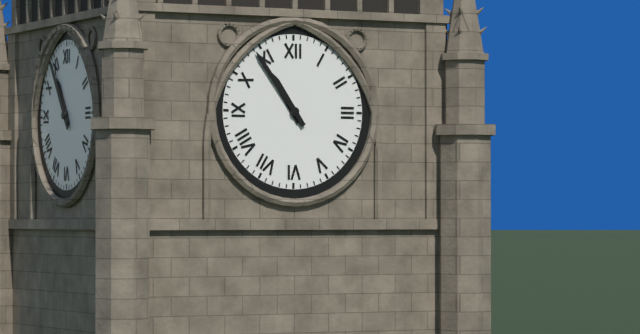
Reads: 10:54
